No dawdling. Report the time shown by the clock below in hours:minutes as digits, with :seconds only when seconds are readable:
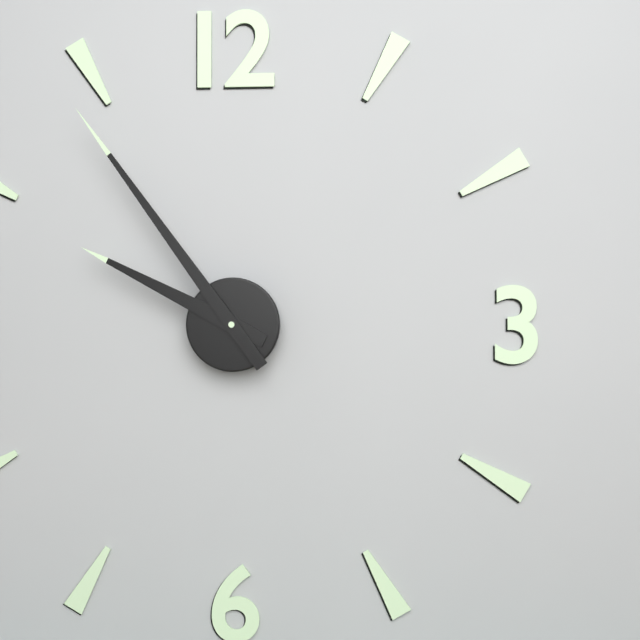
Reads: 9:54
